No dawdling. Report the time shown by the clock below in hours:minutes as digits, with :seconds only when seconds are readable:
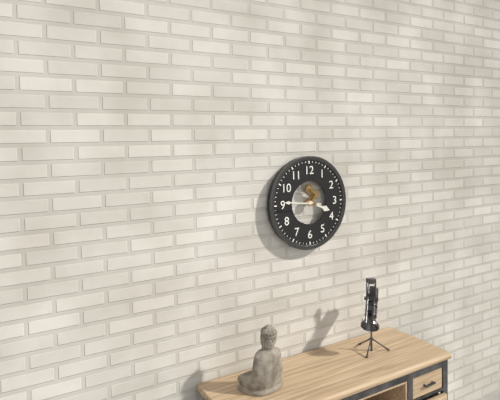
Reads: 3:46
